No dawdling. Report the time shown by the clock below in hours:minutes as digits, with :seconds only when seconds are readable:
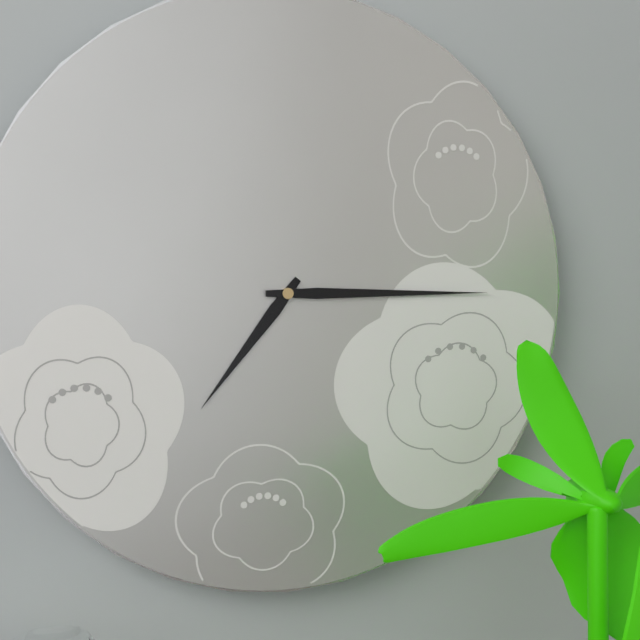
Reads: 7:15
